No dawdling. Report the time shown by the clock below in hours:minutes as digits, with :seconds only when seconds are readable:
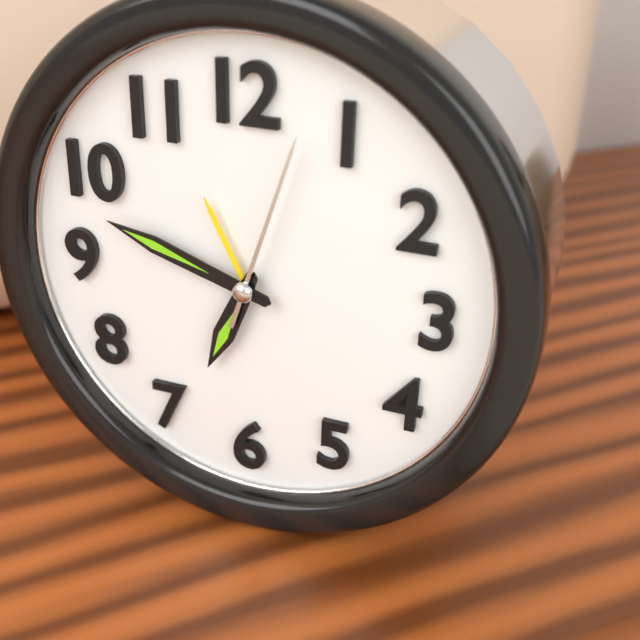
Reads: 6:48:03
